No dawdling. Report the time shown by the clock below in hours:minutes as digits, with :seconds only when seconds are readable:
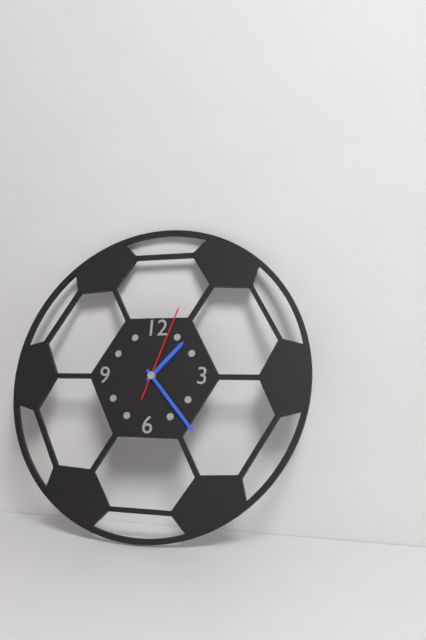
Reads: 1:23:03
